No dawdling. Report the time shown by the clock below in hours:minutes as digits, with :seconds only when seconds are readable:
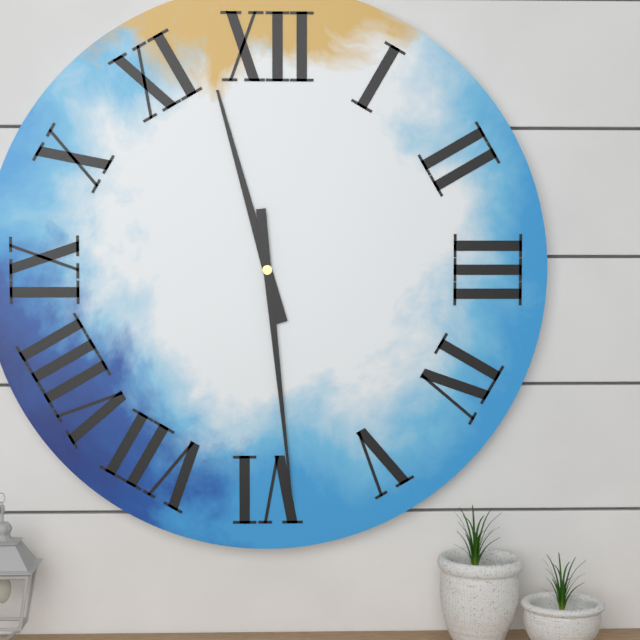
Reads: 11:29
